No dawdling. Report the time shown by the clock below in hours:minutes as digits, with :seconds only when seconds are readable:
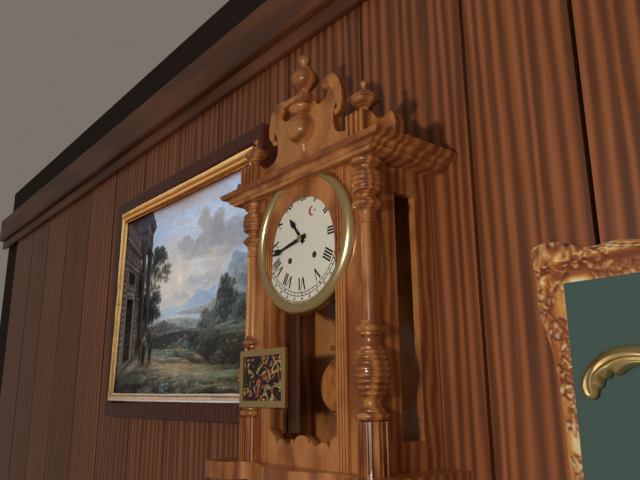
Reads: 10:43
